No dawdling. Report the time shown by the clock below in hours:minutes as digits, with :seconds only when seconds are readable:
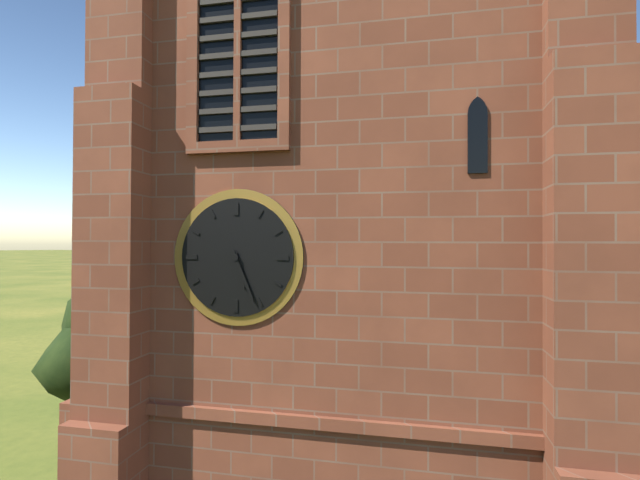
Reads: 5:26
